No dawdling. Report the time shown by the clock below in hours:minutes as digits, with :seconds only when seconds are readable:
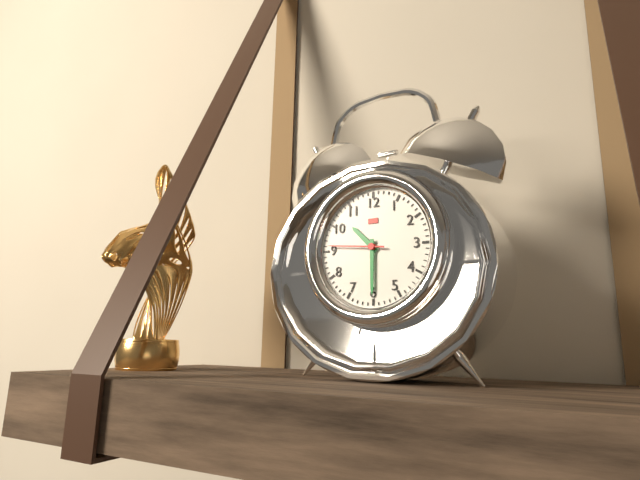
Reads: 10:30:46
